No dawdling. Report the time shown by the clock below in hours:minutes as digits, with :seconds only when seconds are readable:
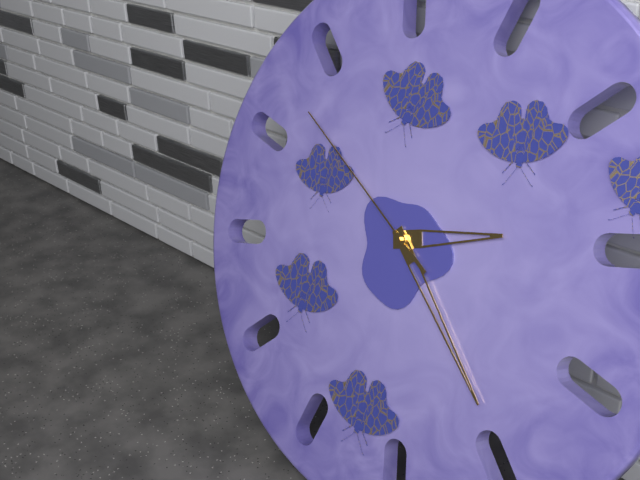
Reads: 2:22:50
